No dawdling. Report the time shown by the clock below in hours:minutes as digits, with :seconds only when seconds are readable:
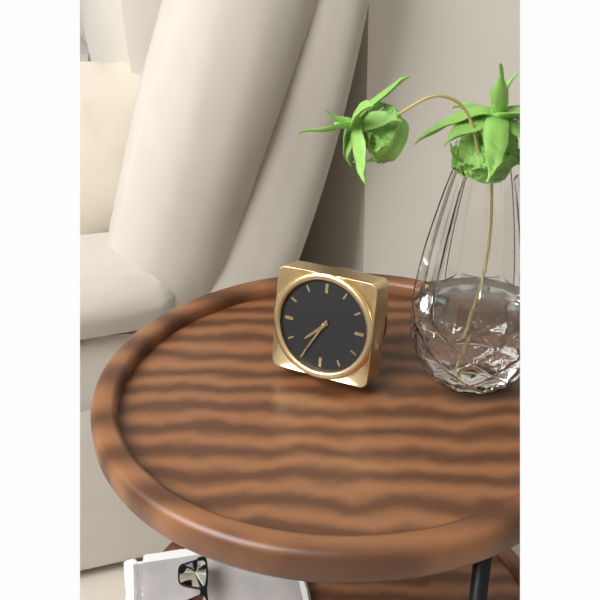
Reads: 7:35
